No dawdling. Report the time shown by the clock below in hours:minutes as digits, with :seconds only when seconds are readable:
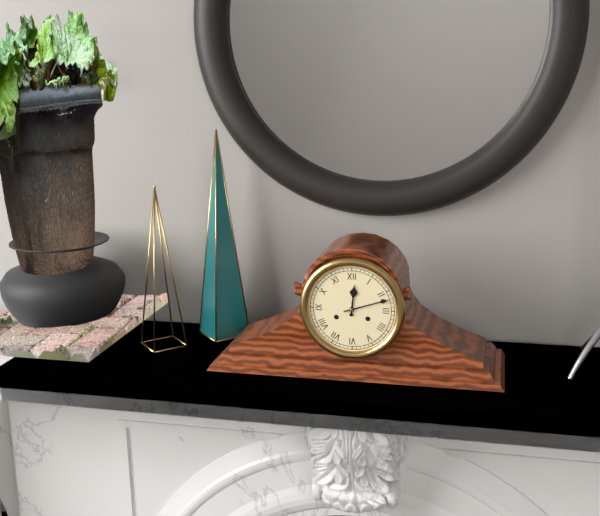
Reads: 12:12
